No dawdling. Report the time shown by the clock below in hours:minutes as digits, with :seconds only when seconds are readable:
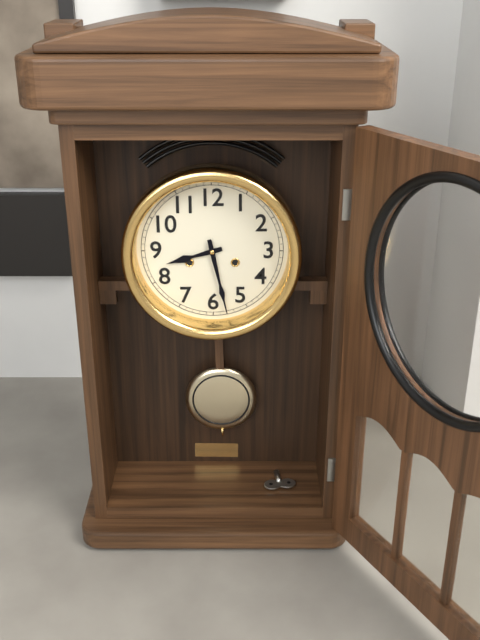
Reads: 8:28
